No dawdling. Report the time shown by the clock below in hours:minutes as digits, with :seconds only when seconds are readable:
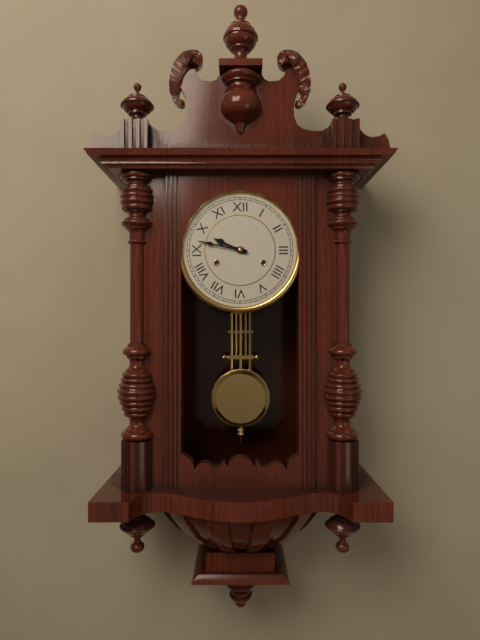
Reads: 9:47
